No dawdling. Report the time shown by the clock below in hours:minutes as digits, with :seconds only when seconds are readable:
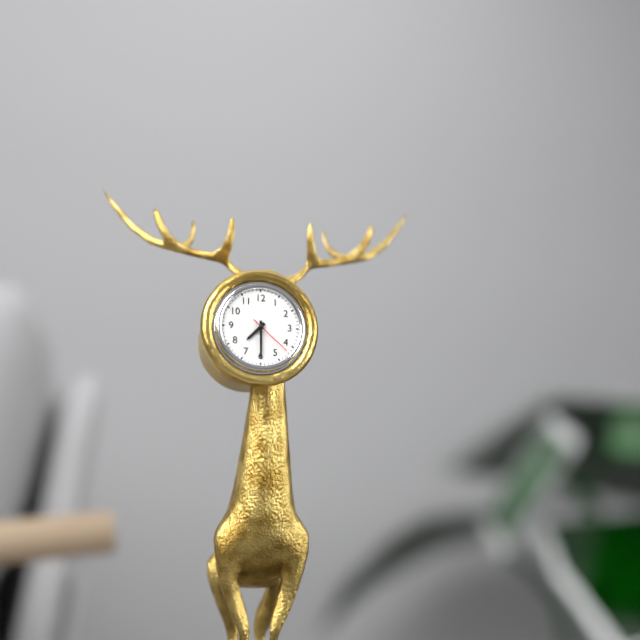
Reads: 7:30
